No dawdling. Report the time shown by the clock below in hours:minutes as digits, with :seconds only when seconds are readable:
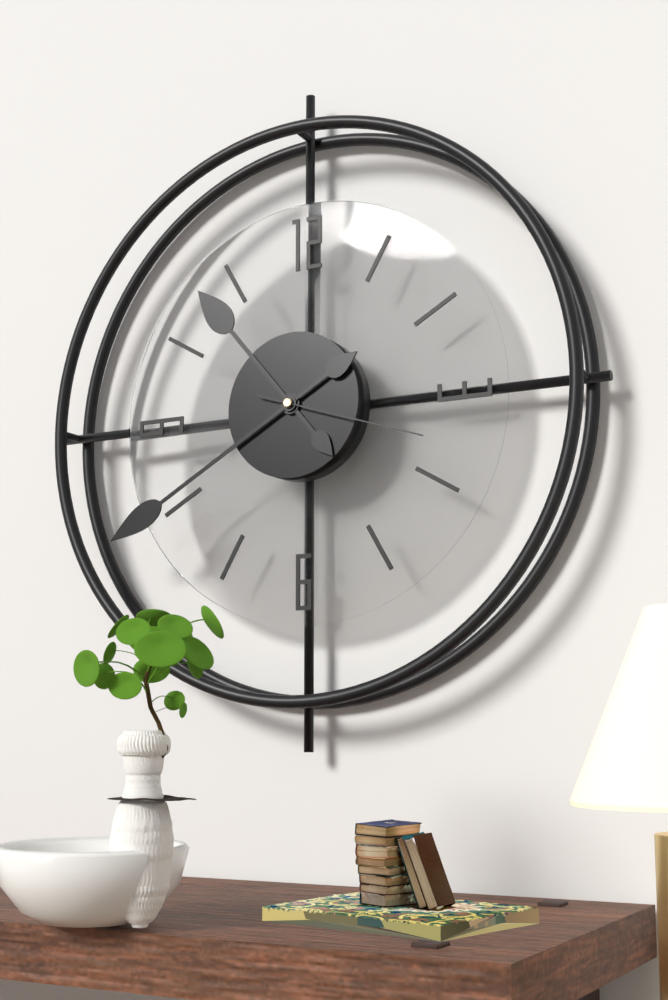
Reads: 10:40:18
